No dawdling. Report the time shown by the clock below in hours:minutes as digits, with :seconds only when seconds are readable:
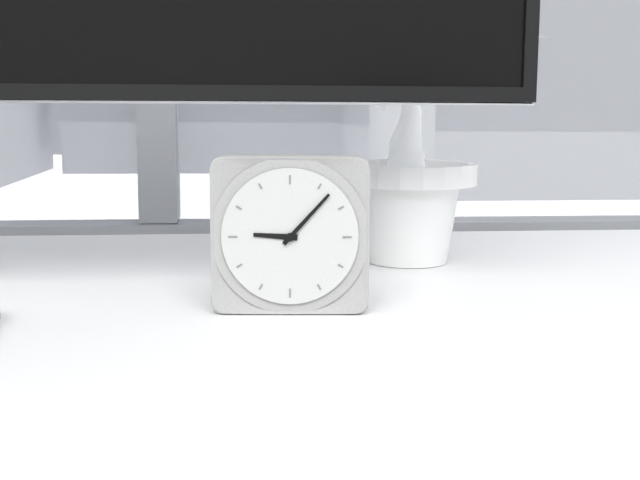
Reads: 9:07
